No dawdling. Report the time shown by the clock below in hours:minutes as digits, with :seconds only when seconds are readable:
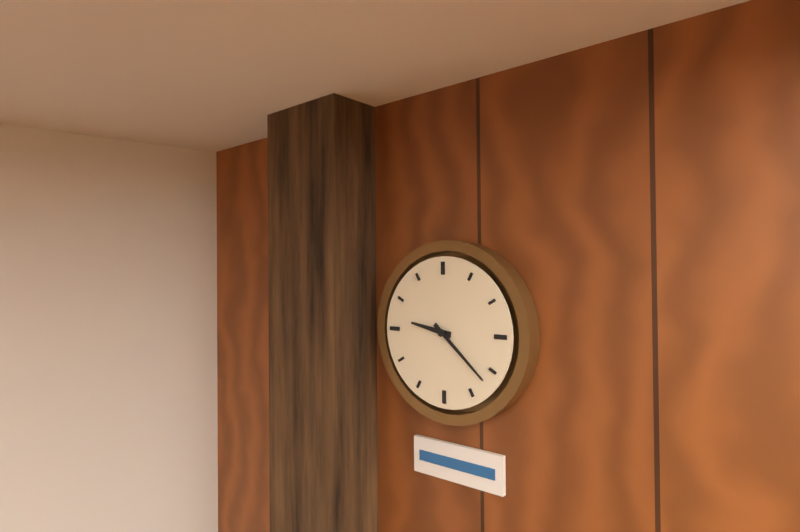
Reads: 9:22
